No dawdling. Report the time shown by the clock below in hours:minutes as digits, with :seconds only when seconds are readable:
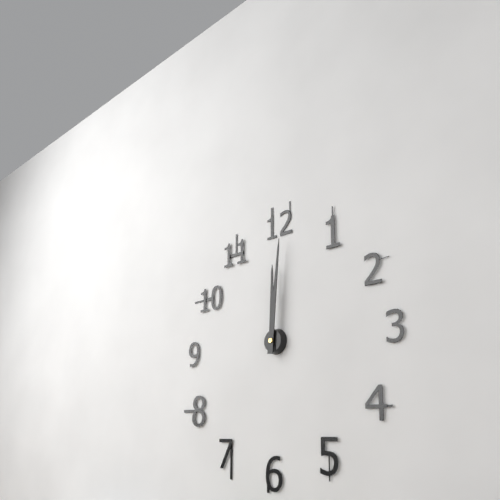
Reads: 12:01
